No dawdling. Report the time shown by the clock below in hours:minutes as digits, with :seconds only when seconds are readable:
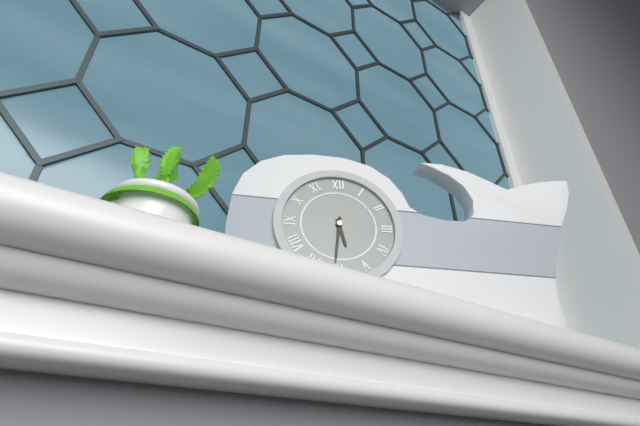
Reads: 5:31
